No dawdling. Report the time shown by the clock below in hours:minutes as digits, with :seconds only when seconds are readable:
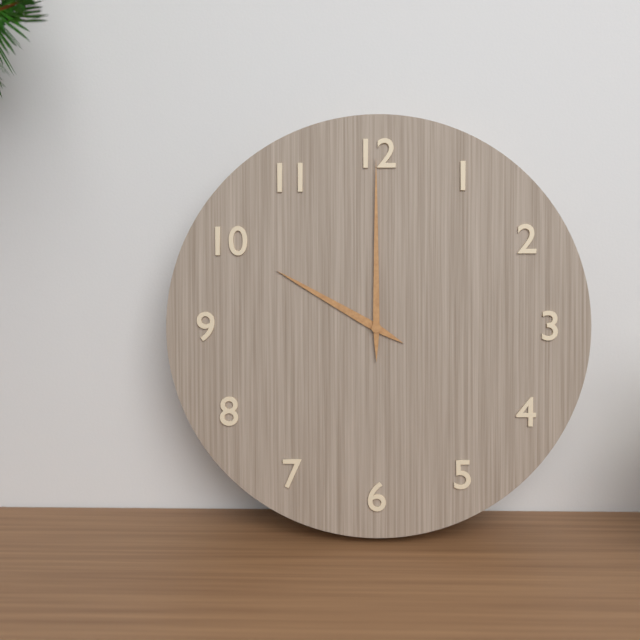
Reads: 10:00
